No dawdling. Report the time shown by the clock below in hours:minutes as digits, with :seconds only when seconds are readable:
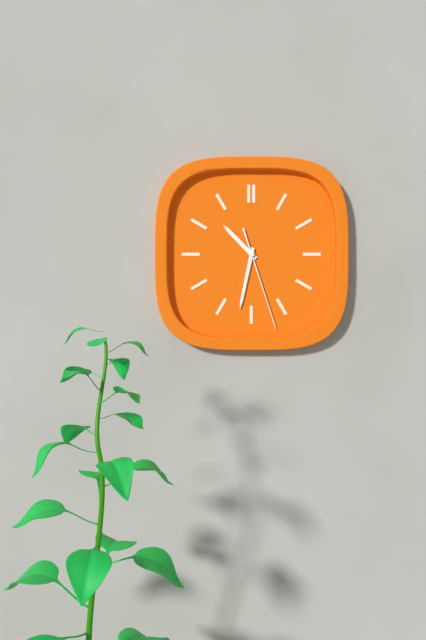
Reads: 10:32:27
